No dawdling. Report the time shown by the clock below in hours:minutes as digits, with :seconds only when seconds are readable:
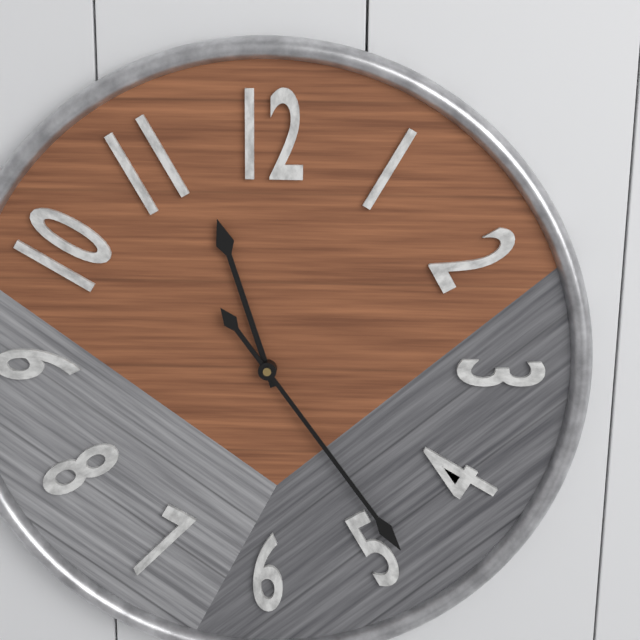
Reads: 11:24
